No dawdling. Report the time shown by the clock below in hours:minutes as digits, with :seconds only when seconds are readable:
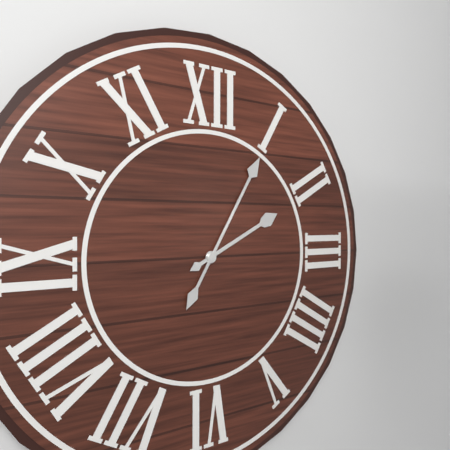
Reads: 2:05
